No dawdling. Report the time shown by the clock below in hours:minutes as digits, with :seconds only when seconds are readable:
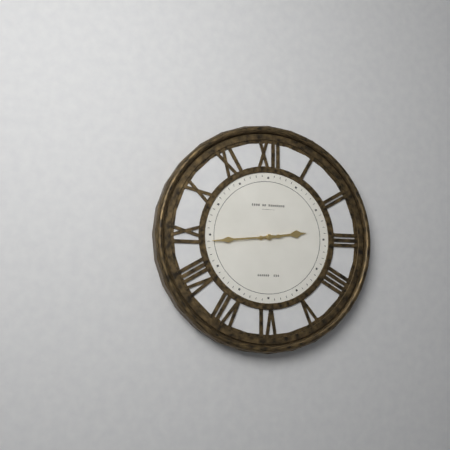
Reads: 2:44
